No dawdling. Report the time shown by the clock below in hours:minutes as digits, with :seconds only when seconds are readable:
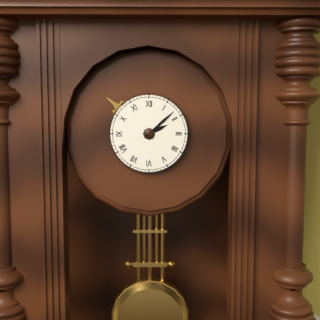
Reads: 2:08
